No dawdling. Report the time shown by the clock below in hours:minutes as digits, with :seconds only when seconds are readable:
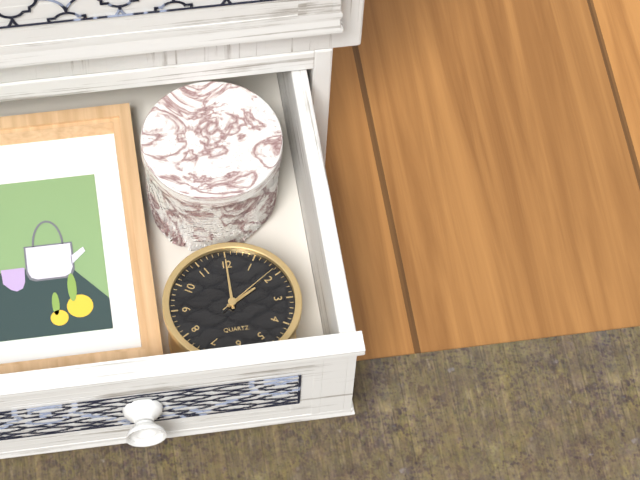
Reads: 2:00:09
